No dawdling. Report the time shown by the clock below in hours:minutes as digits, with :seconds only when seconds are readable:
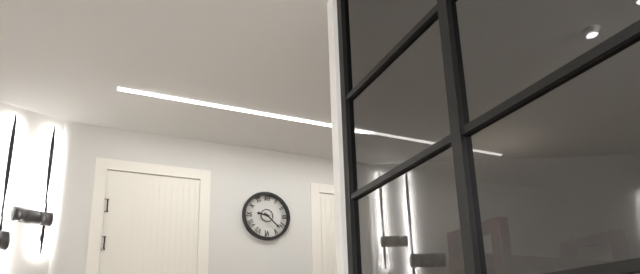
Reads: 9:22
